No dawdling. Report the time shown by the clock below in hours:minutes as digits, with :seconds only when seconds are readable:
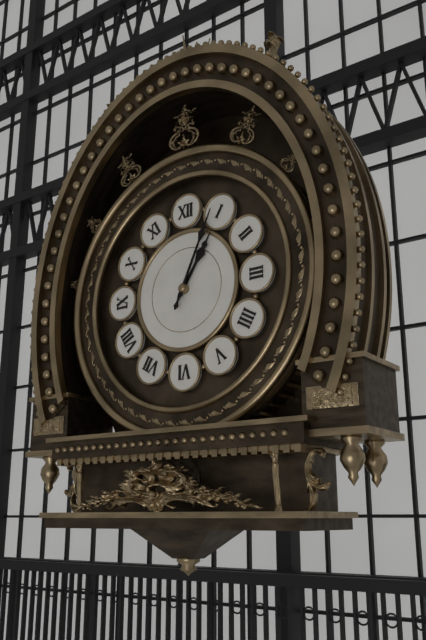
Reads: 1:04
